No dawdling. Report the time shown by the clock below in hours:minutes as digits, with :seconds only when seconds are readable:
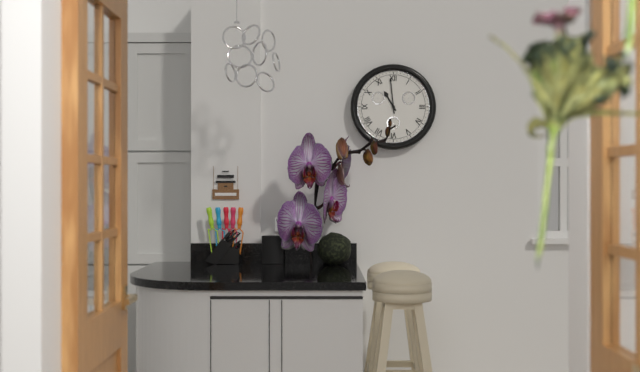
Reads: 10:59
